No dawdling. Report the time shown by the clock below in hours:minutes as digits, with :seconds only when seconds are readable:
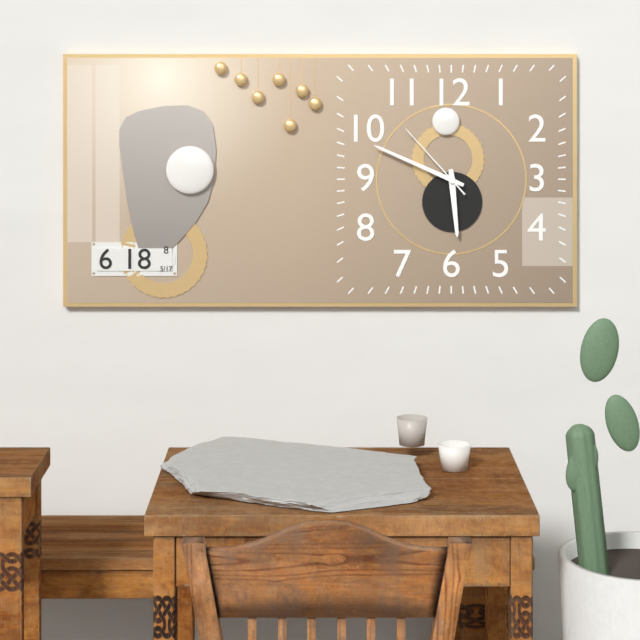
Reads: 5:49:53
